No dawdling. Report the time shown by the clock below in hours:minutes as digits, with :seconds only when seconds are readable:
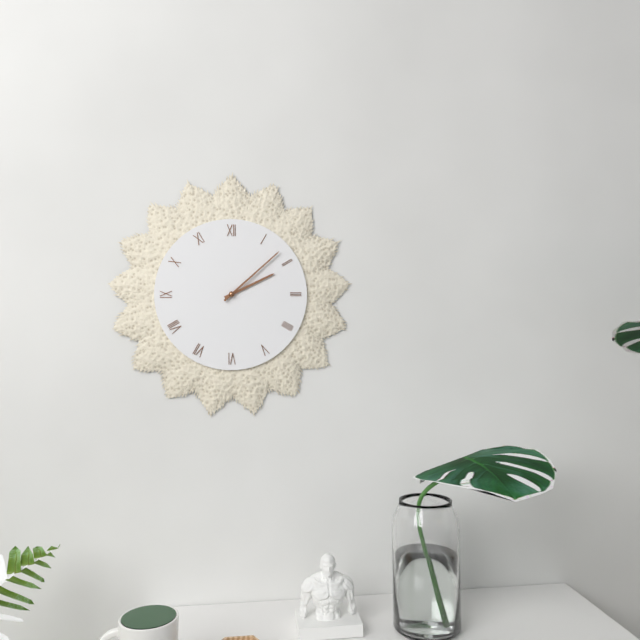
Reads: 2:08
